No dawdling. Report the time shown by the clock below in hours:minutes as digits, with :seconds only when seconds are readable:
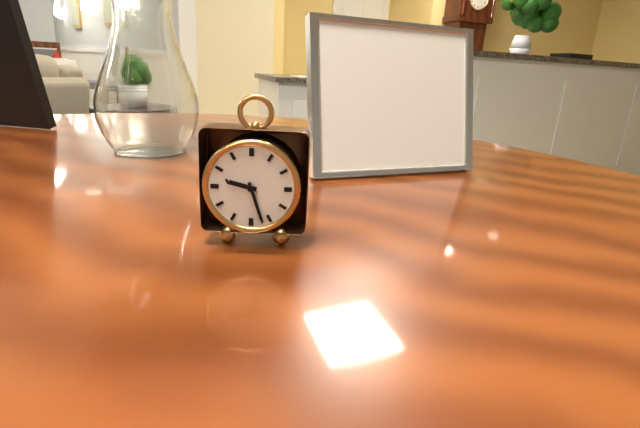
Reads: 9:27
